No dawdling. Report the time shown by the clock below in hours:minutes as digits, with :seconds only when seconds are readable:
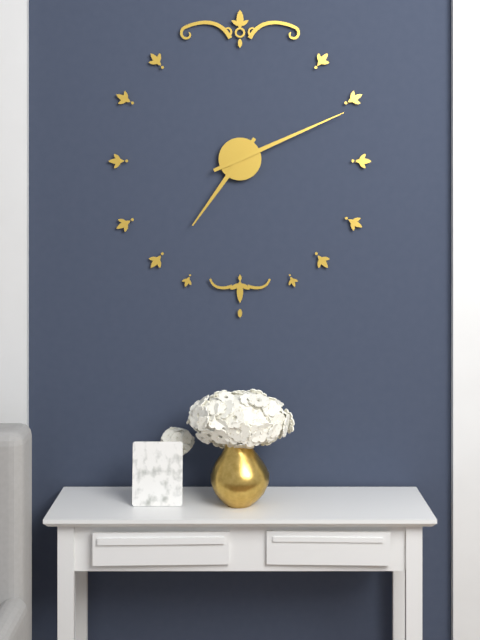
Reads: 7:11
